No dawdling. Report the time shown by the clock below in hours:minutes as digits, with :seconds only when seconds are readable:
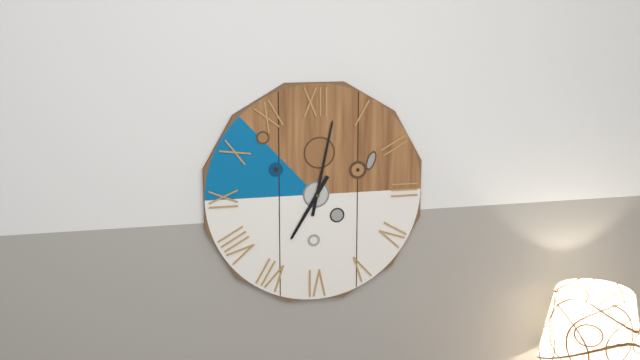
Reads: 7:02
